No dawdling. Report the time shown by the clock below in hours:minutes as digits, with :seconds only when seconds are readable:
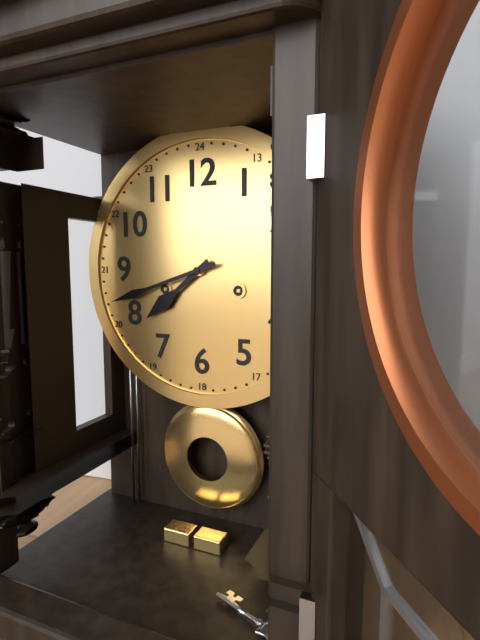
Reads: 7:42
